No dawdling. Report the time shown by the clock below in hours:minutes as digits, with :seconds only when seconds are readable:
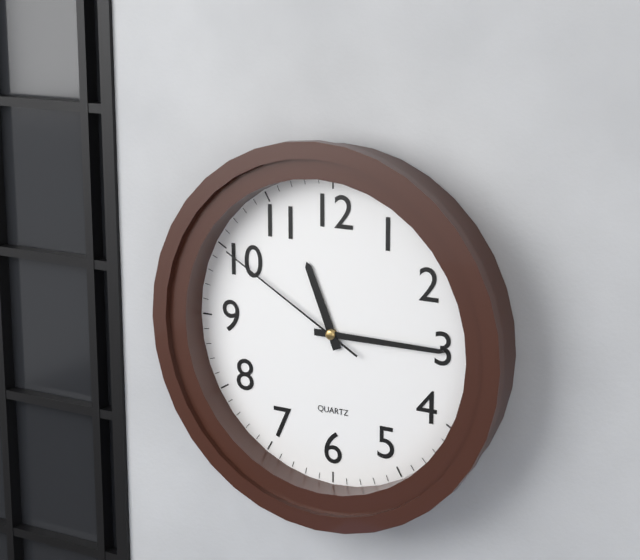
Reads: 11:15:50
